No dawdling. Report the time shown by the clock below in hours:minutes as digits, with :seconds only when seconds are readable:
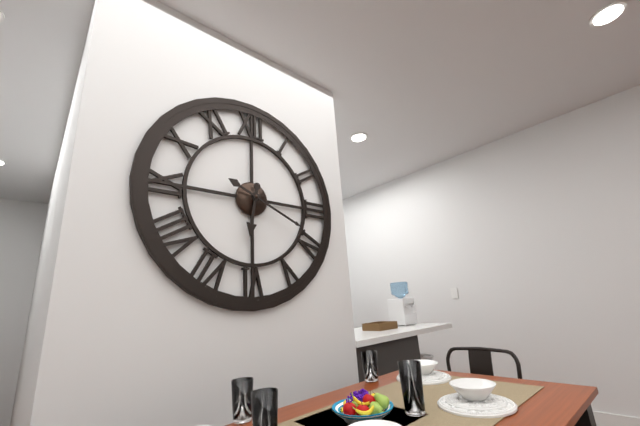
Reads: 6:19
